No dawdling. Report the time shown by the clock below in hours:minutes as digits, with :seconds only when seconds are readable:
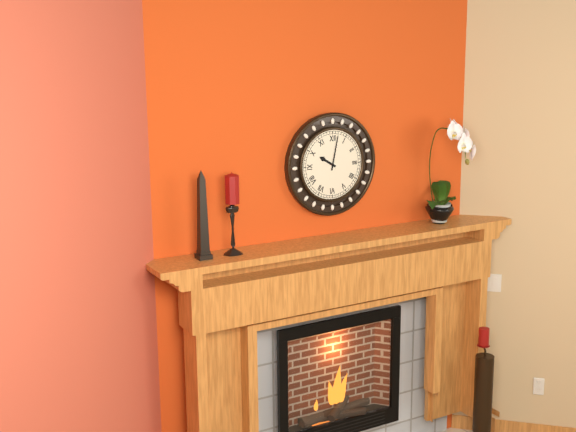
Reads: 10:02
